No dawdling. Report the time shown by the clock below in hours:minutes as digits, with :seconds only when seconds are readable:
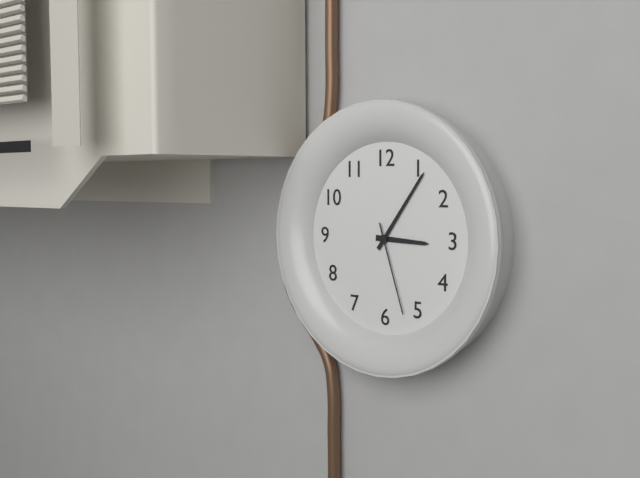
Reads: 3:06:27
